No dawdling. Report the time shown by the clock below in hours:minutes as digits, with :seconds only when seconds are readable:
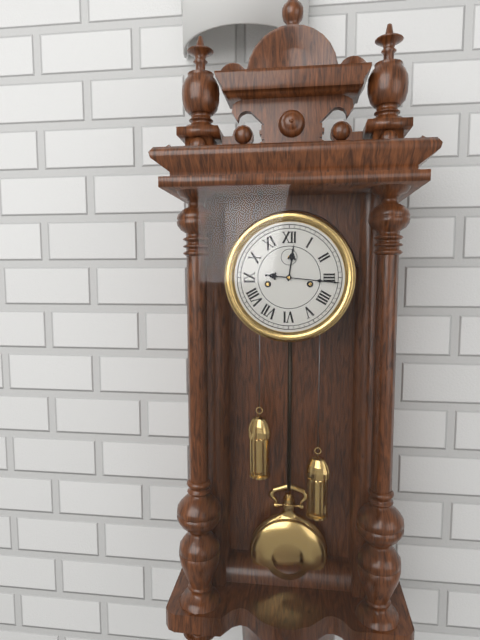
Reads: 12:16
